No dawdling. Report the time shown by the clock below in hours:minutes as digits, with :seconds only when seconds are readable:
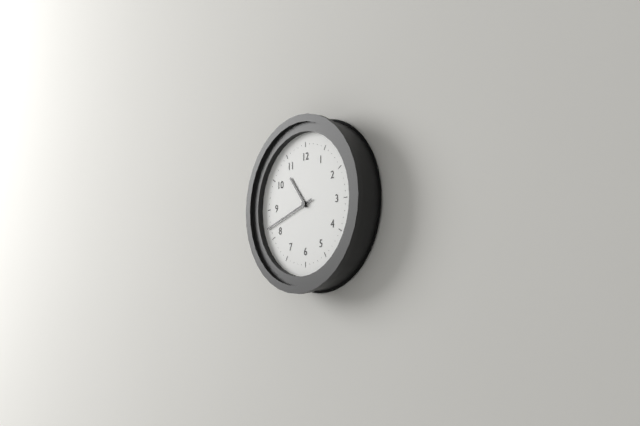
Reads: 10:42
